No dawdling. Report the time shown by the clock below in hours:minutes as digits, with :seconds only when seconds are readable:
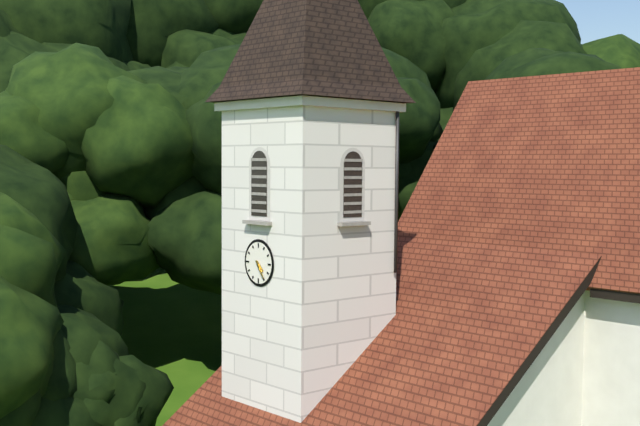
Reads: 4:24
